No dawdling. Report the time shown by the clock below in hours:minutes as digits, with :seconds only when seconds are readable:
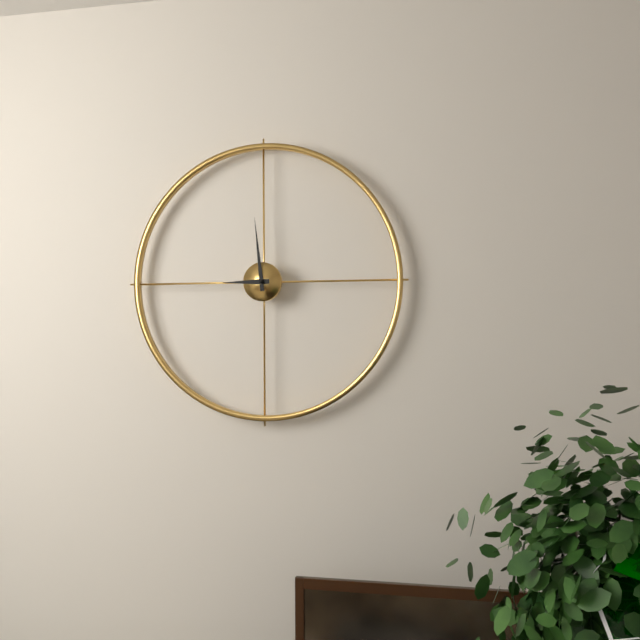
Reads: 8:59
